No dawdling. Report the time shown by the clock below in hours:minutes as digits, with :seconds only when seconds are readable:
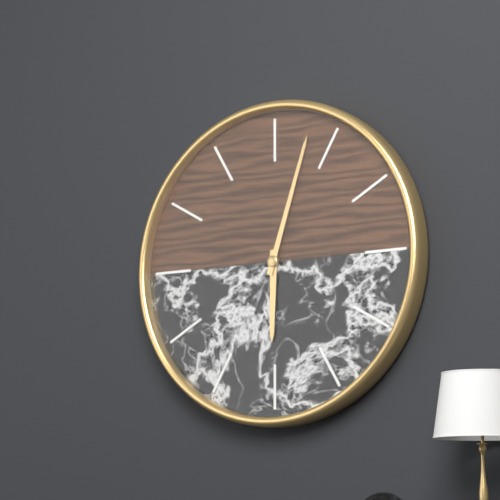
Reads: 6:03
